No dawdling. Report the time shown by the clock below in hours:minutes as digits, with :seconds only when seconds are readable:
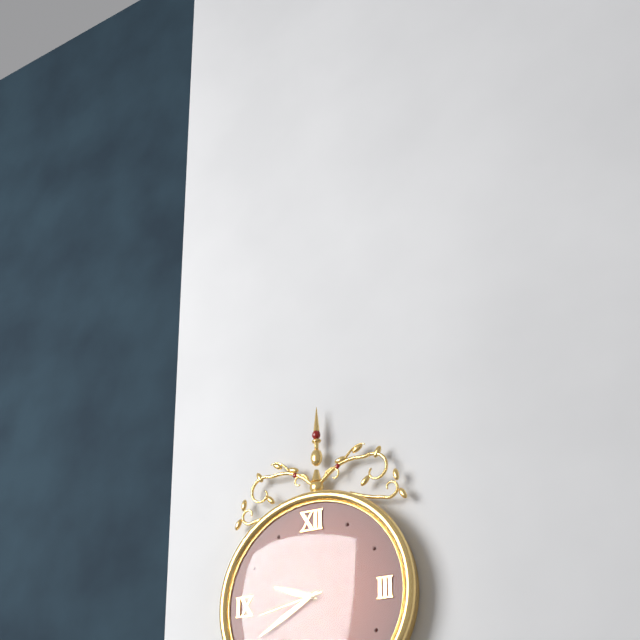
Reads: 9:40:43
